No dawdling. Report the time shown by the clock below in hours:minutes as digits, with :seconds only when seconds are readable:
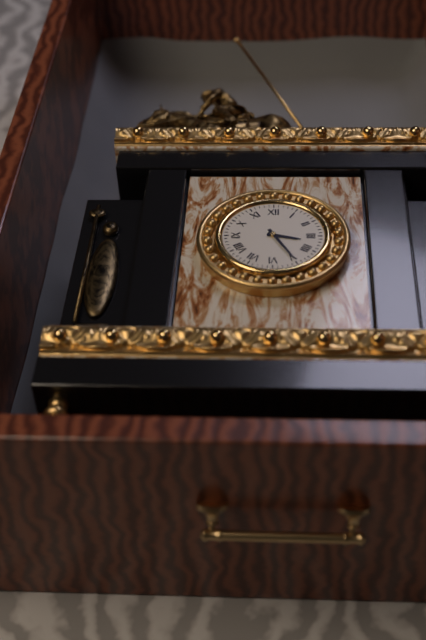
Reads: 3:25
